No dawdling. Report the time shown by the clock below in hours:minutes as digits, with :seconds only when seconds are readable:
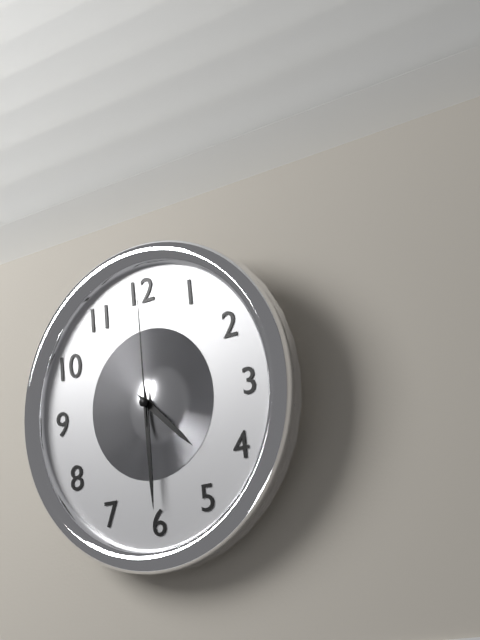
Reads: 4:30:00
